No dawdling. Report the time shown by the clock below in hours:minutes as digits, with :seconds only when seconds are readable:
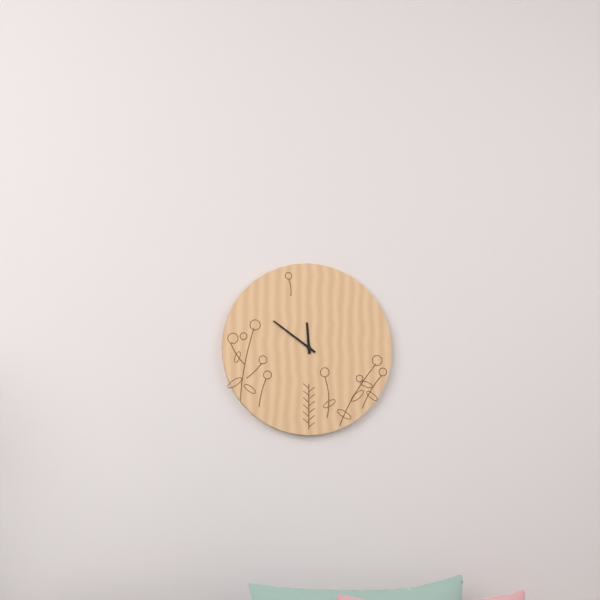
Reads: 11:51
